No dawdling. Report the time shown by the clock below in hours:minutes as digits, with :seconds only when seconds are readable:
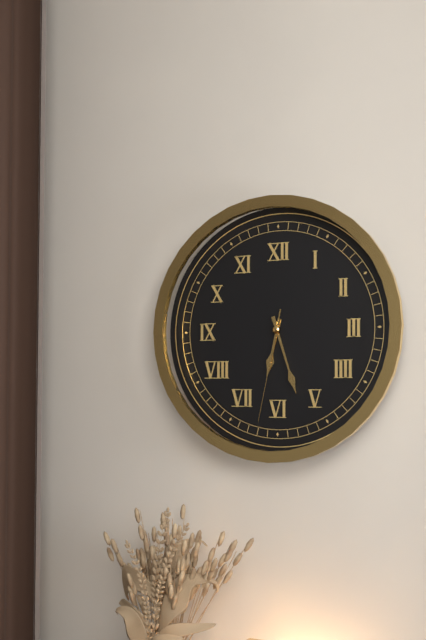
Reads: 6:27:32
